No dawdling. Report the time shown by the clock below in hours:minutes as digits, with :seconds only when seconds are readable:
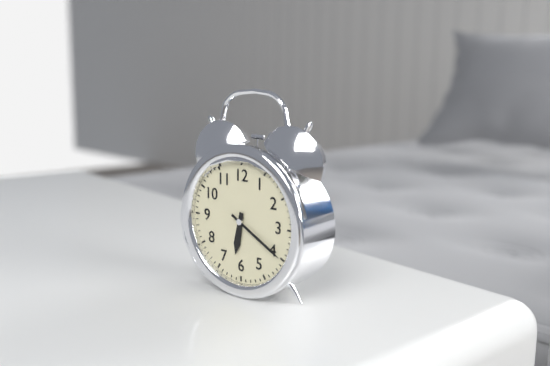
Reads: 6:20
